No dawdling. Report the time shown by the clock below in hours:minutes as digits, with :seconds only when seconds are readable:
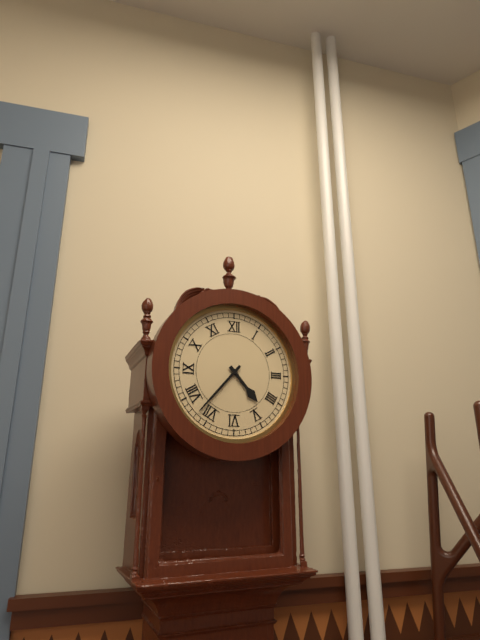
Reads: 4:37
